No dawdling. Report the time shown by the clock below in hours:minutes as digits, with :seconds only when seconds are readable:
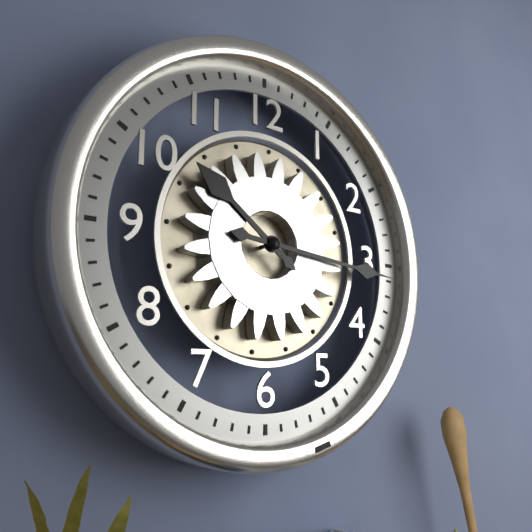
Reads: 10:16
